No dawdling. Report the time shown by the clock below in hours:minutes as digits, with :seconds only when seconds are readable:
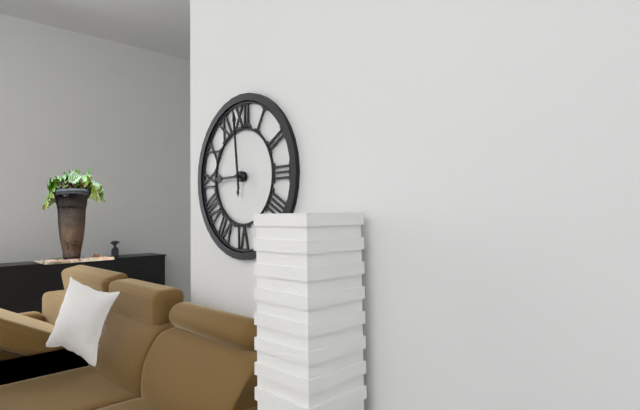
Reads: 8:59:59
